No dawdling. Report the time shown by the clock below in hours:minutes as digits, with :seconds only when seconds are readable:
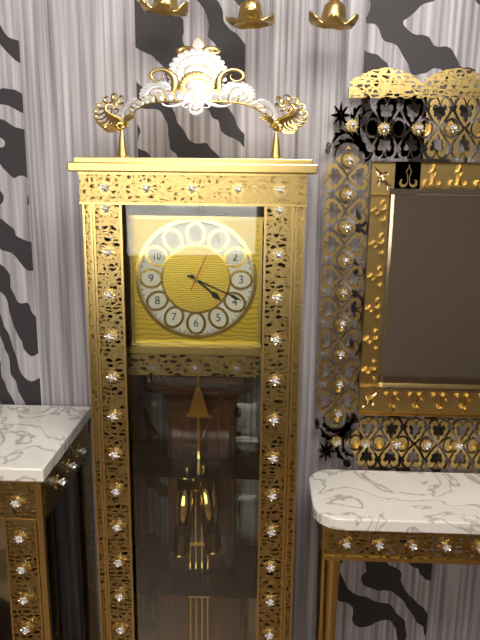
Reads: 4:19:04
